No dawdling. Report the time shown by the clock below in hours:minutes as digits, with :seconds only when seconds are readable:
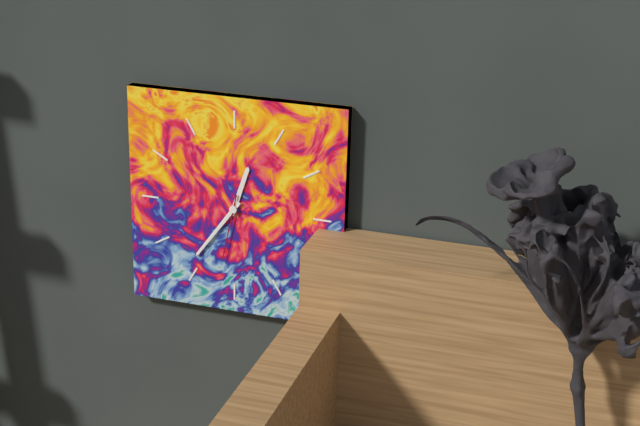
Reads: 12:36:32
